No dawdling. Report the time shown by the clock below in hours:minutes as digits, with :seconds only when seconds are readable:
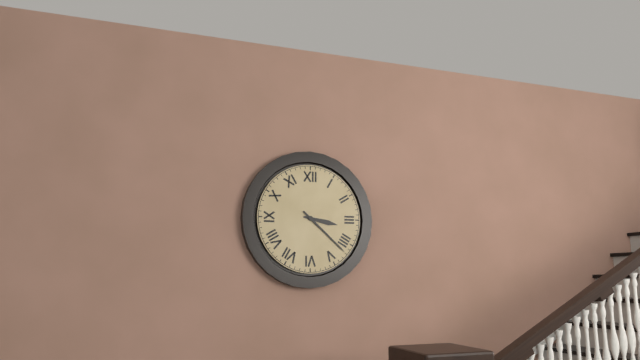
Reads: 3:22
